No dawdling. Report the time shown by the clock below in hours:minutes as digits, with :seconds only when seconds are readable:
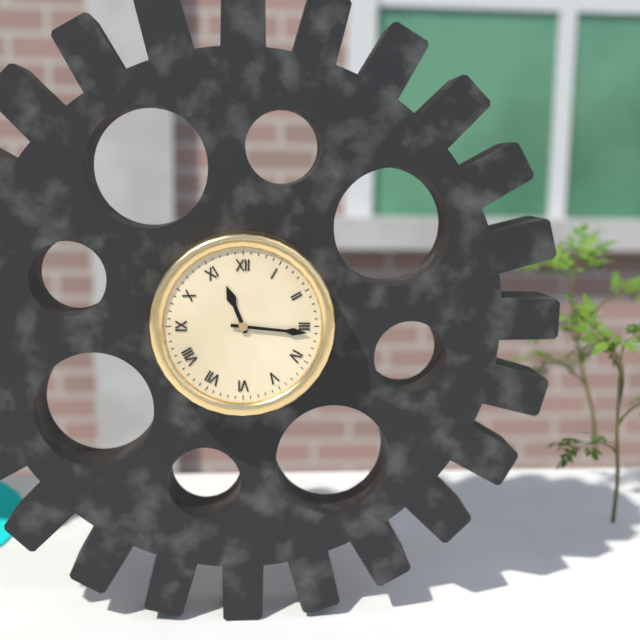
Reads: 11:16
